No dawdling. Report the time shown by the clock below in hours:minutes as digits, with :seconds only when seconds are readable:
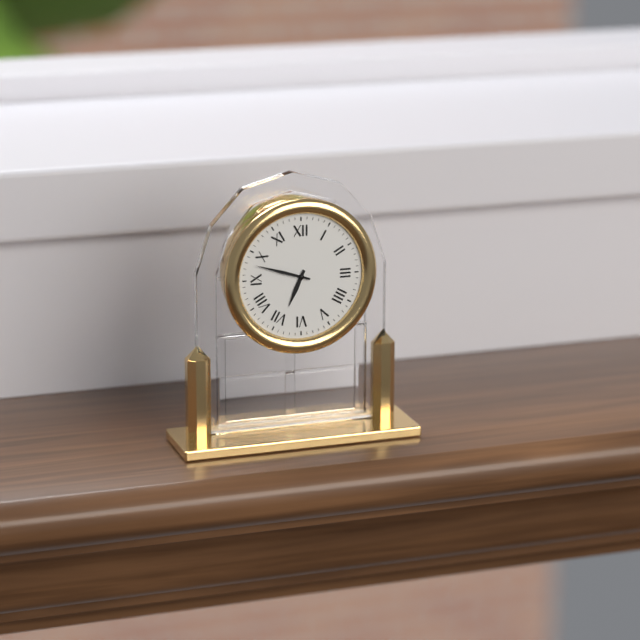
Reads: 6:48
